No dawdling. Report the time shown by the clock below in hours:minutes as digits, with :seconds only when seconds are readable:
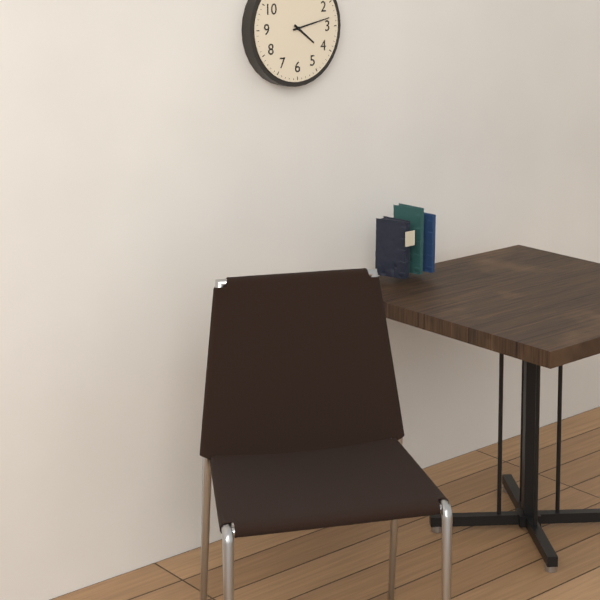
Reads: 4:13
